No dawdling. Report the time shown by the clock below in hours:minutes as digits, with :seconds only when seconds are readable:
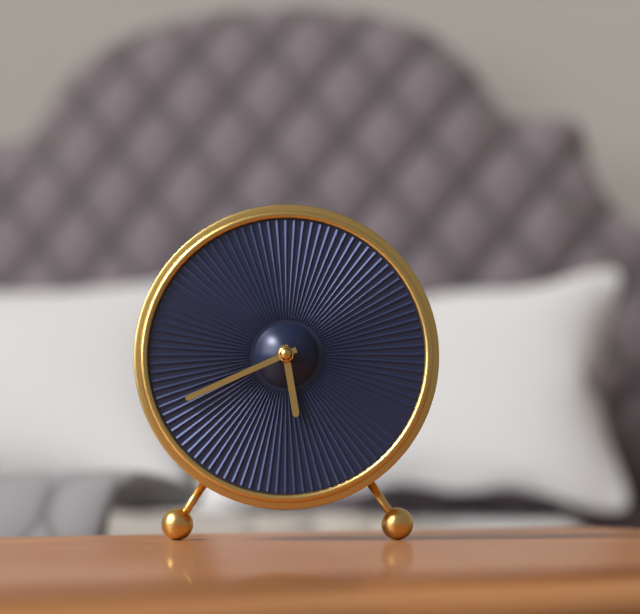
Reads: 5:41
